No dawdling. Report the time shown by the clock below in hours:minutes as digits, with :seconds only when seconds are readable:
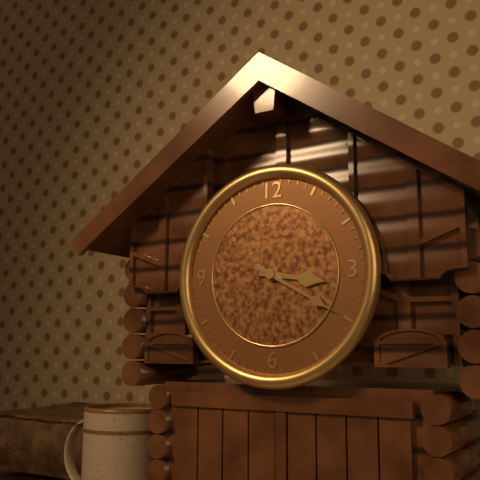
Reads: 3:20
